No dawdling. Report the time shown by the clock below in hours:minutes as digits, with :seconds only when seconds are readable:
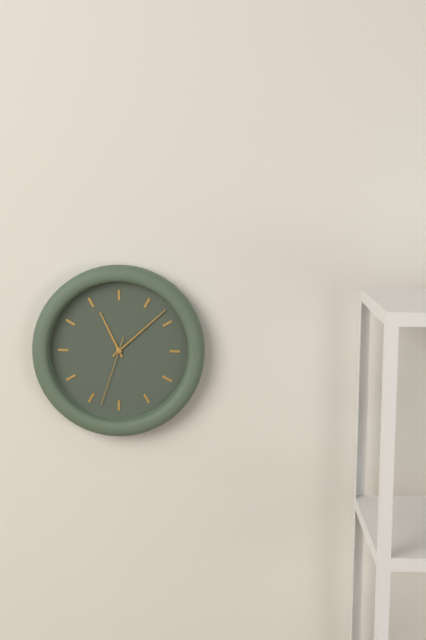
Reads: 11:08:33
